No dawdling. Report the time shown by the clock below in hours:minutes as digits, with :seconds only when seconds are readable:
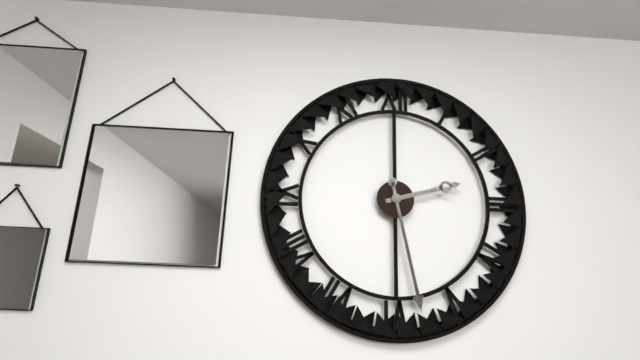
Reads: 2:28
